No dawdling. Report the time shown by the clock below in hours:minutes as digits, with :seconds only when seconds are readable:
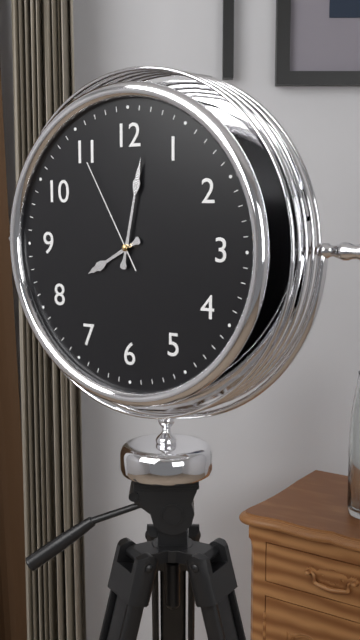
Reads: 8:02:55
